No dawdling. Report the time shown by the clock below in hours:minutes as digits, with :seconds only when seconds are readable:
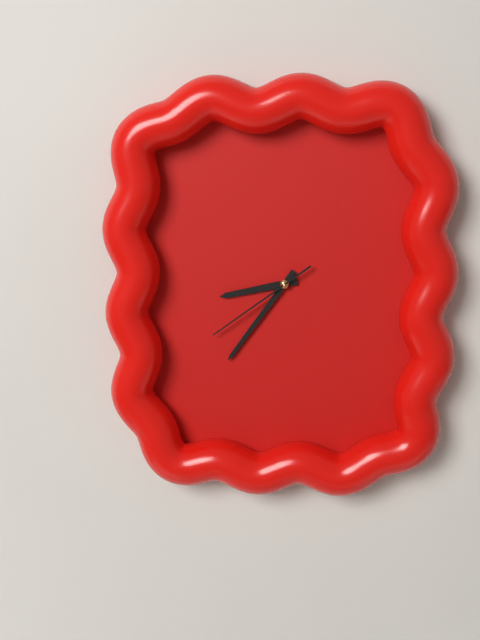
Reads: 8:36:39
